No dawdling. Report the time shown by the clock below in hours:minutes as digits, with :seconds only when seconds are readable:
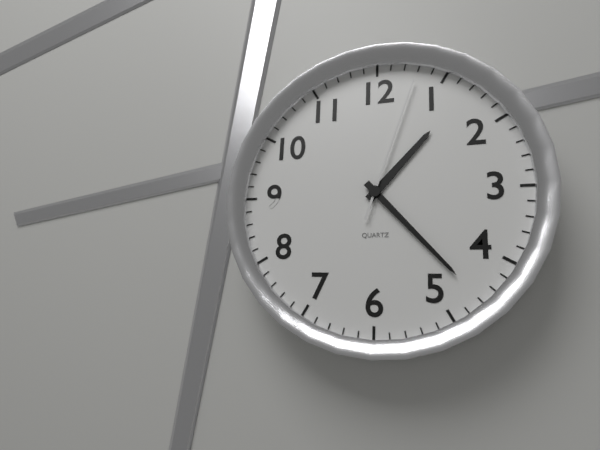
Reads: 1:23:03
